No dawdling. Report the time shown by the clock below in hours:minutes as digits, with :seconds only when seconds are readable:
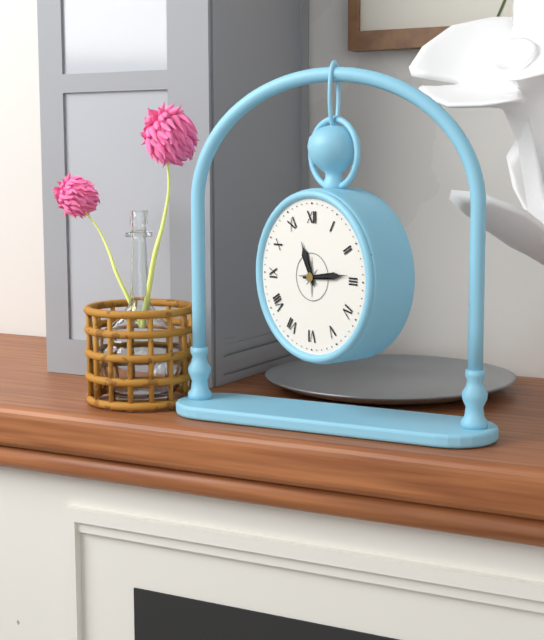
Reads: 11:14
